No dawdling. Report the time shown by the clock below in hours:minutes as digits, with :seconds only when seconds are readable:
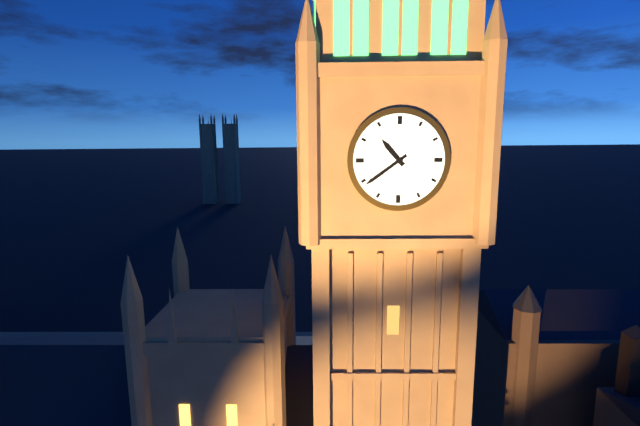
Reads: 10:39
